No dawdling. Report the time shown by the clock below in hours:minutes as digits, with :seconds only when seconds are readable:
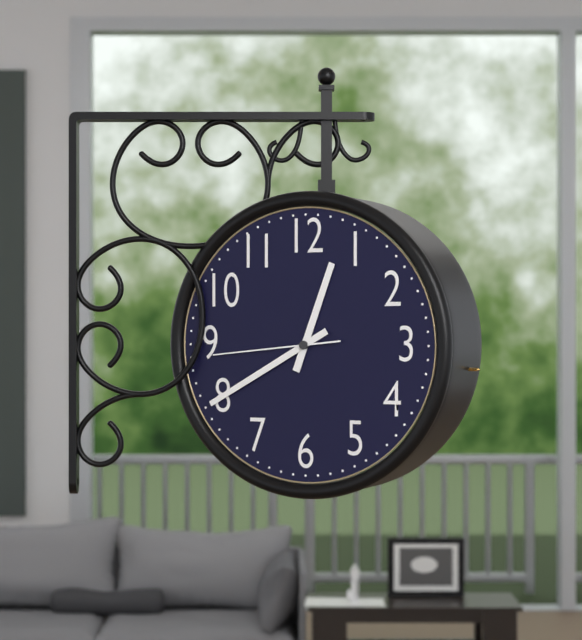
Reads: 12:40:44
